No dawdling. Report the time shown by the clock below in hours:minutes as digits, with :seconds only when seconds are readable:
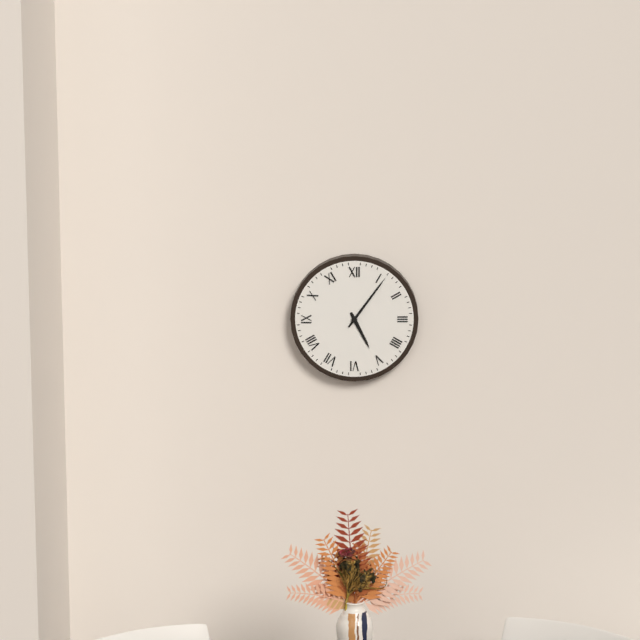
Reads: 5:06
